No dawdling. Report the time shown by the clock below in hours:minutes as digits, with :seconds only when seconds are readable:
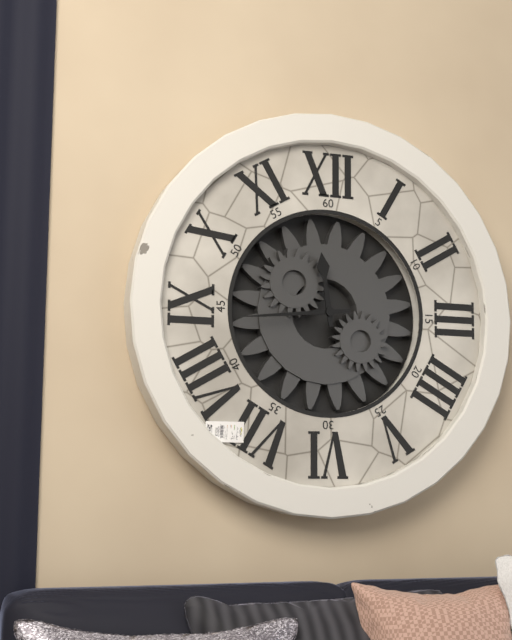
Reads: 11:44
